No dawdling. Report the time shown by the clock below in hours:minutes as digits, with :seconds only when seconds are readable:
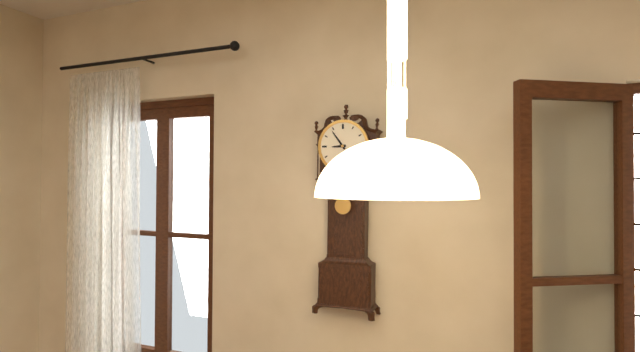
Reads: 8:54
